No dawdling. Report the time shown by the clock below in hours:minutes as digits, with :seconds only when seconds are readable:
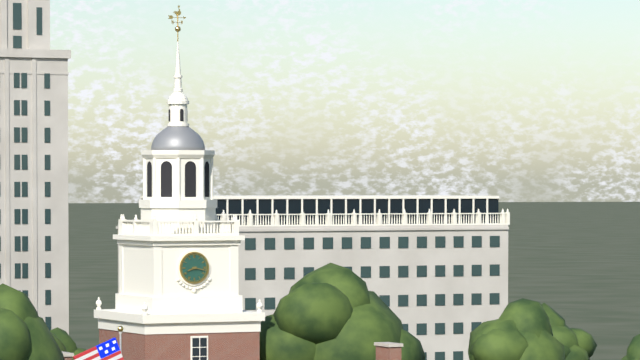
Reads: 8:17
